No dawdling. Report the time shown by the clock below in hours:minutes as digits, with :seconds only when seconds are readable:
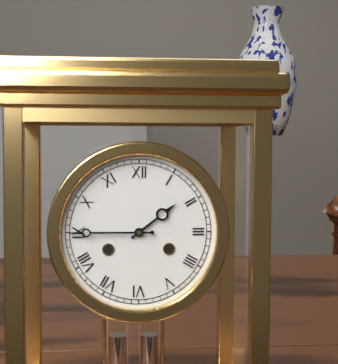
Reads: 1:45
